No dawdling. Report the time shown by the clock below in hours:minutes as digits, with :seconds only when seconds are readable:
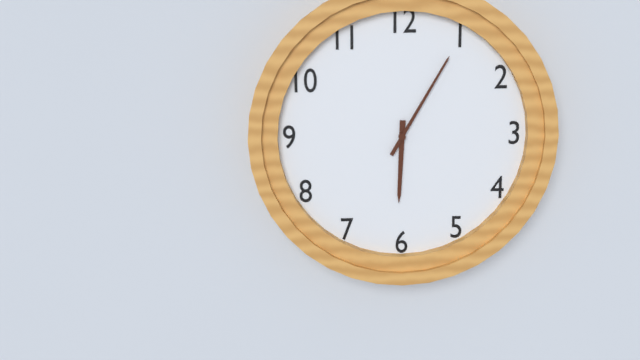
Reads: 6:05
